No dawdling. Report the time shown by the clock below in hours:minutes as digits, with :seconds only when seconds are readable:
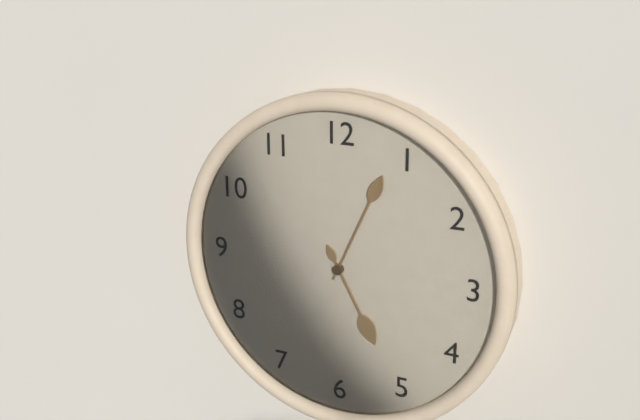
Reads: 5:04
